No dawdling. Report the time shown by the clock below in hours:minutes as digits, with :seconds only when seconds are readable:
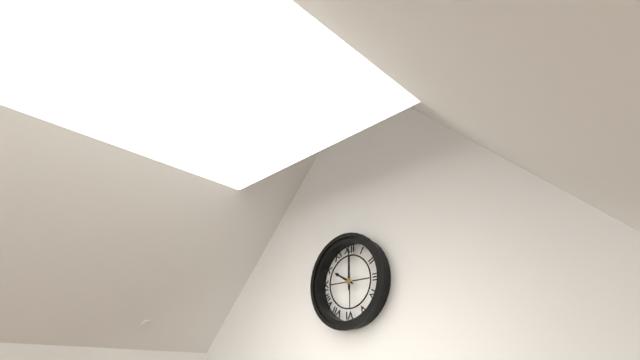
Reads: 10:00
